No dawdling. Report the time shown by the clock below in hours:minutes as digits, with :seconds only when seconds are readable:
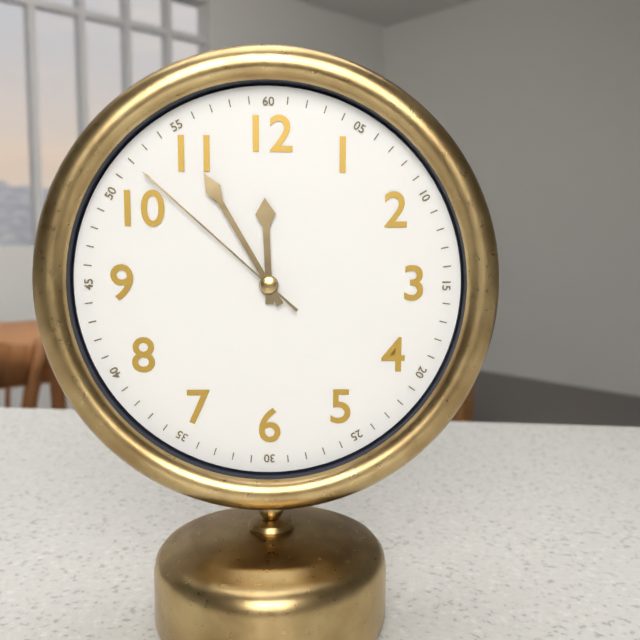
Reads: 11:55:52
